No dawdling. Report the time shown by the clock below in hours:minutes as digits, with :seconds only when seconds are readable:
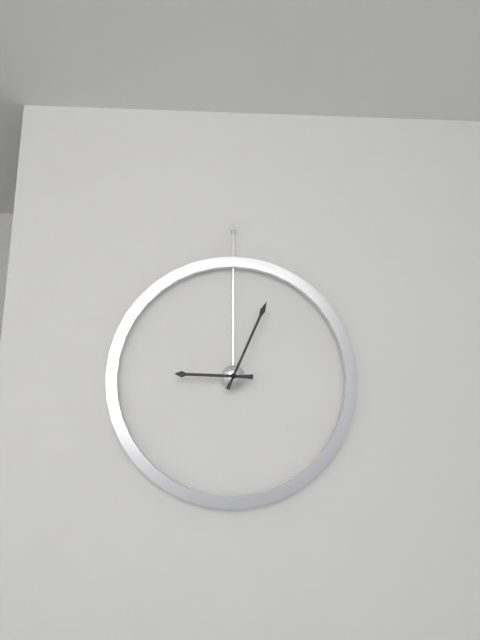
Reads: 9:04
